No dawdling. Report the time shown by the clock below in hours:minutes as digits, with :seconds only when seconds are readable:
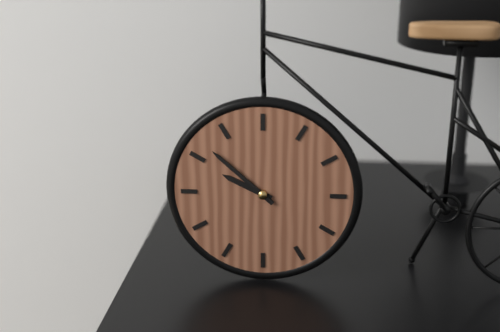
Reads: 9:52
